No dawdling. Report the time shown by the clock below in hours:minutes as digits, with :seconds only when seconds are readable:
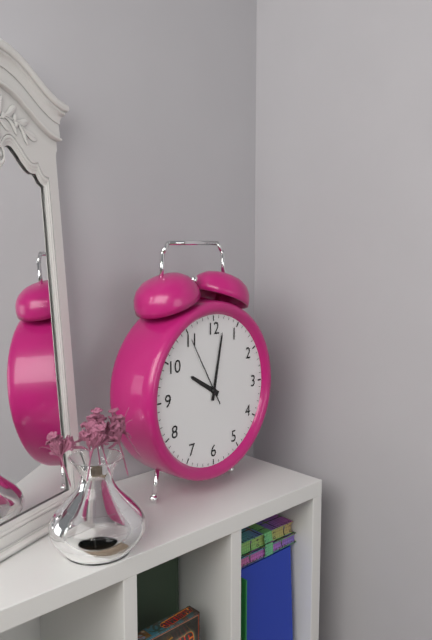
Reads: 10:02:55
